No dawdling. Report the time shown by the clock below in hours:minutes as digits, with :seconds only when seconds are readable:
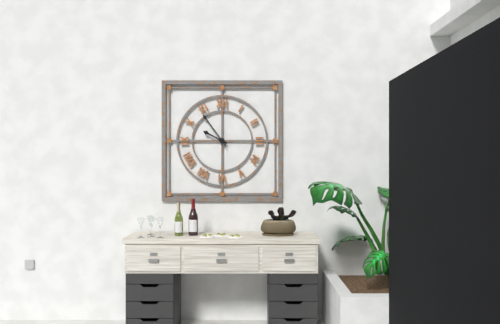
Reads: 9:54
